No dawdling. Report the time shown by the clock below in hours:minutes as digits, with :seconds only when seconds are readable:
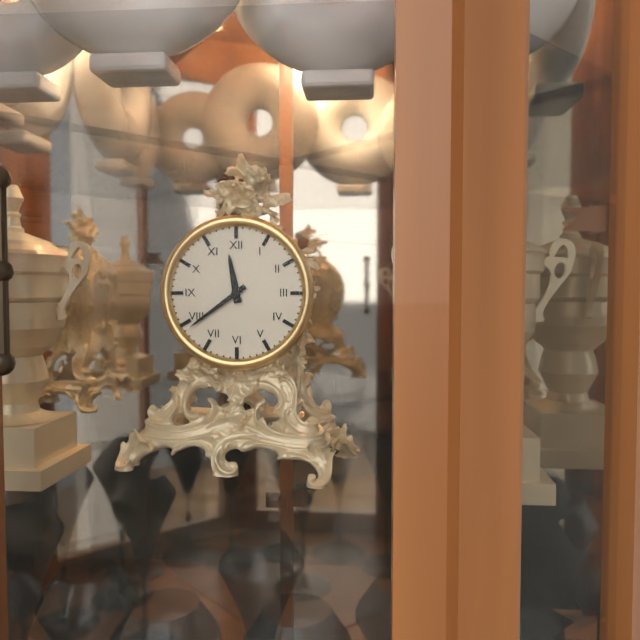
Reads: 11:39
